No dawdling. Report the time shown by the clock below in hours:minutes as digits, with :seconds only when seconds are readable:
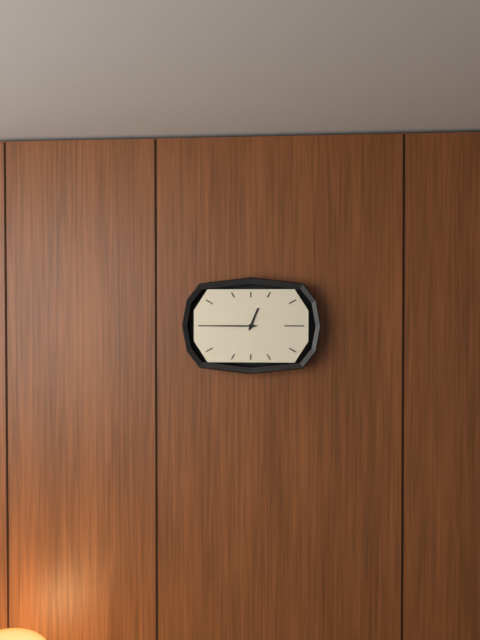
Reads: 12:45
